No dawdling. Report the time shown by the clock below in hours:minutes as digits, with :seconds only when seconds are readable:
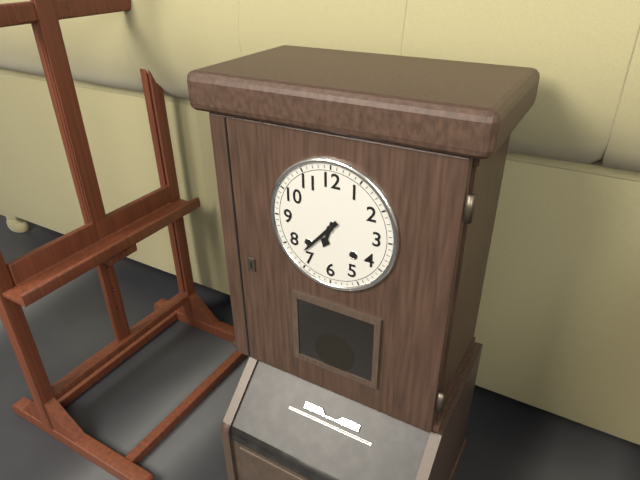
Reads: 6:37
